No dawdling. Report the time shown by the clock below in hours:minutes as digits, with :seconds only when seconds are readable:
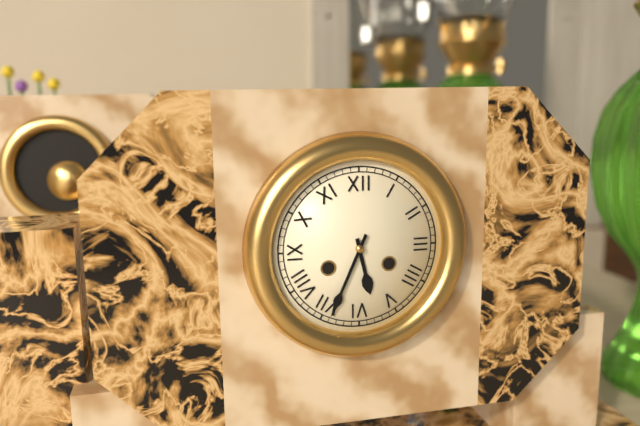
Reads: 5:34
